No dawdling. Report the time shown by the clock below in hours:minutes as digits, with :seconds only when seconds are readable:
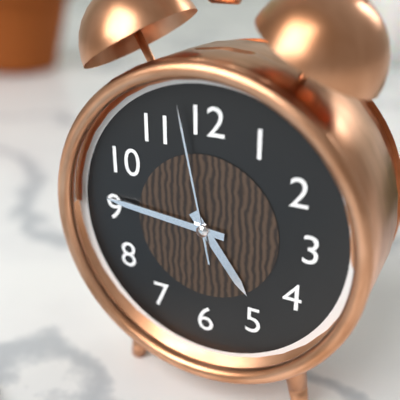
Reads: 4:46:58
